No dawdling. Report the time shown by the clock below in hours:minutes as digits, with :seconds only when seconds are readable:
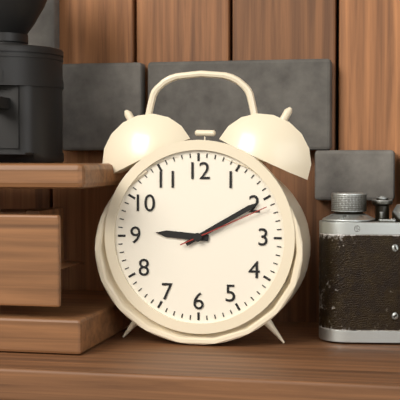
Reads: 9:10:11
